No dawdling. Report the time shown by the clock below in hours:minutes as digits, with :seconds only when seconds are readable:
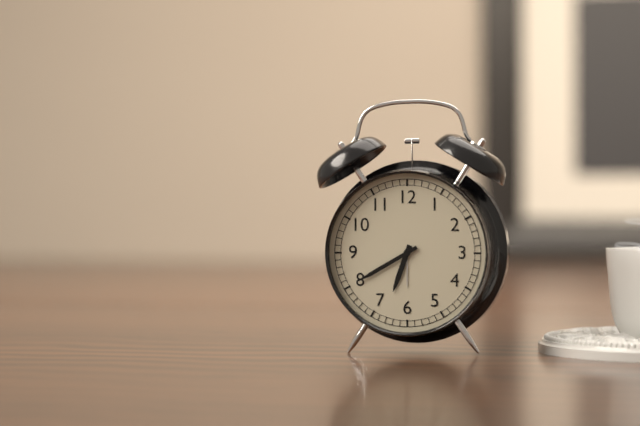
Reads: 6:40
